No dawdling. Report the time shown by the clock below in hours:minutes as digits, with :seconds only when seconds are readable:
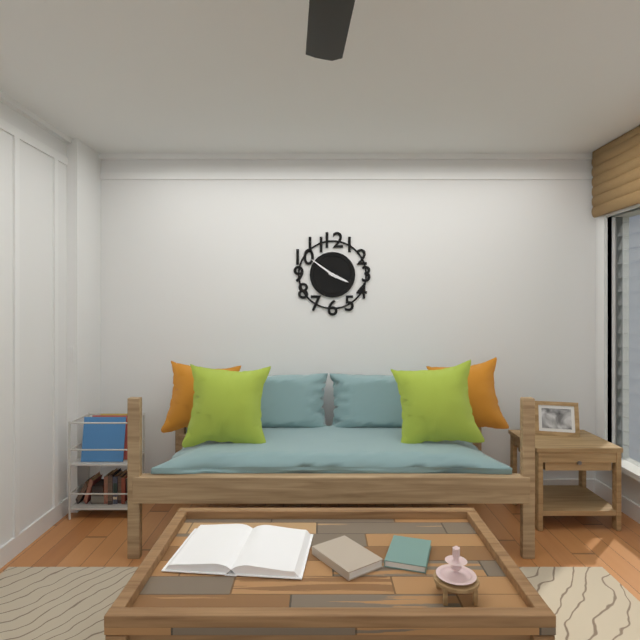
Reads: 3:51
